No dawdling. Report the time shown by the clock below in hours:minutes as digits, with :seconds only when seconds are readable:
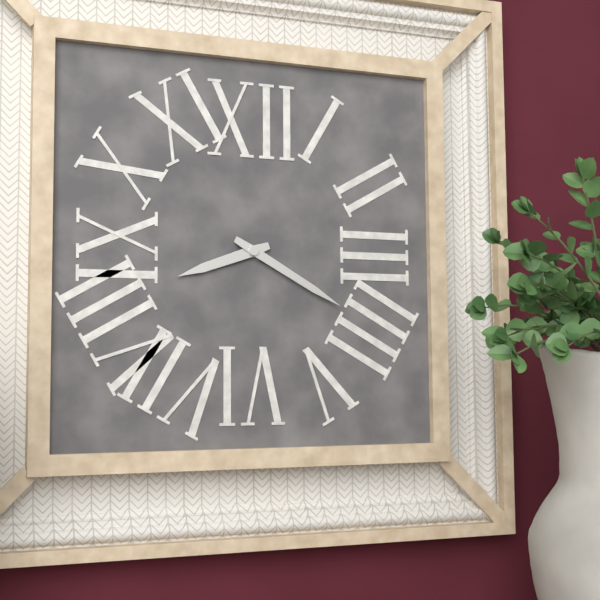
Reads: 8:20
